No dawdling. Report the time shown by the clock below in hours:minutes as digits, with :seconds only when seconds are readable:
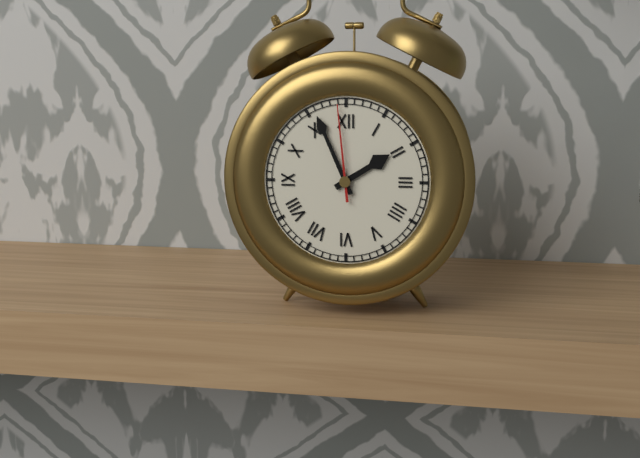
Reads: 1:56:59
